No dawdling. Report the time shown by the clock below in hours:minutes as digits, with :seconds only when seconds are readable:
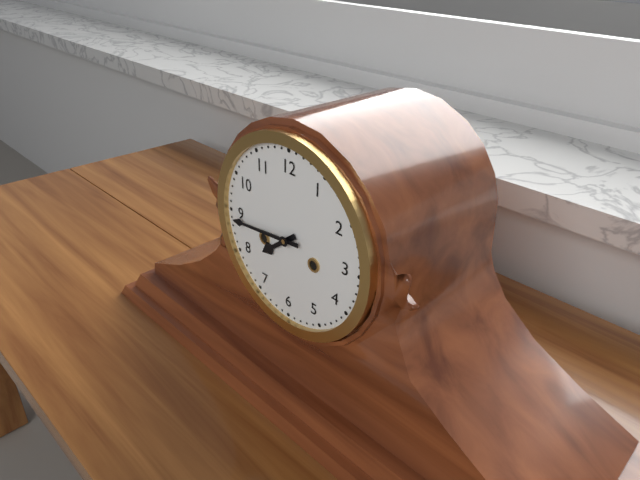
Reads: 7:44
